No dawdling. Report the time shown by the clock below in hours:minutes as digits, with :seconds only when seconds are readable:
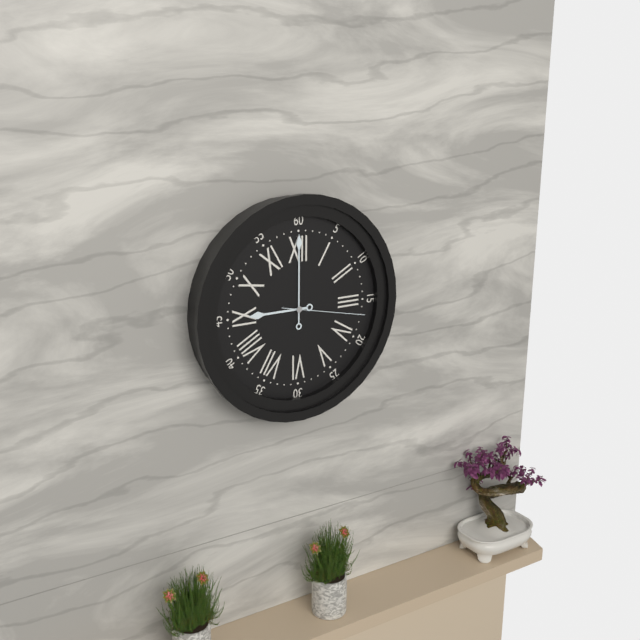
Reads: 9:00:17
